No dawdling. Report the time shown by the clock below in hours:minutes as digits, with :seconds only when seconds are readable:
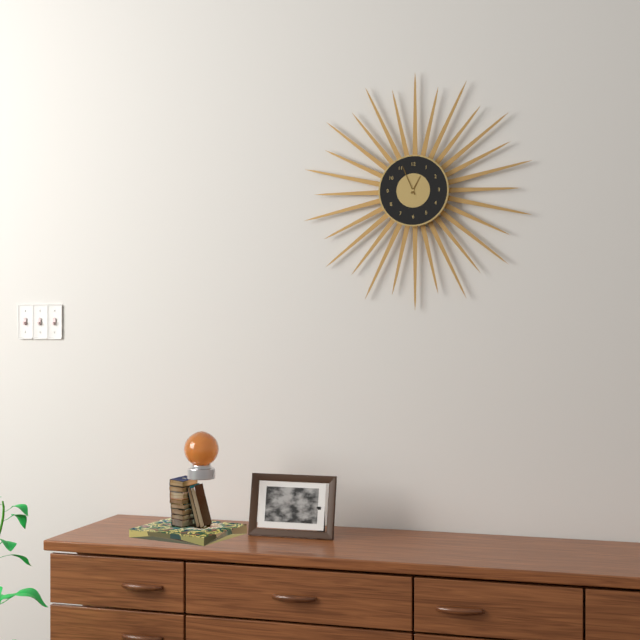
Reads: 12:56
